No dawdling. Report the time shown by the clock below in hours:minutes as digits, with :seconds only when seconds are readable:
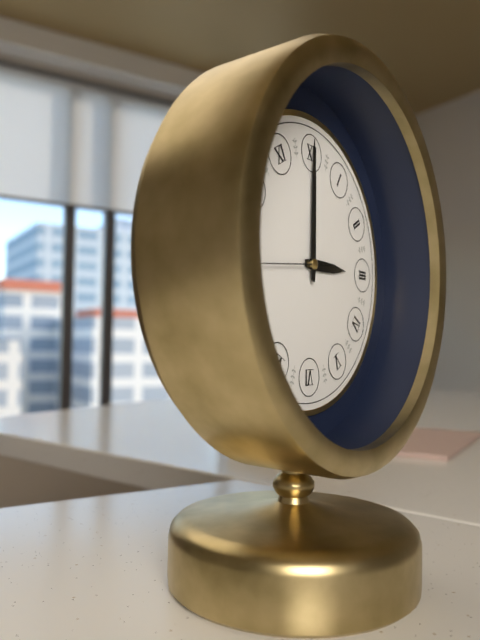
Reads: 3:00:44
